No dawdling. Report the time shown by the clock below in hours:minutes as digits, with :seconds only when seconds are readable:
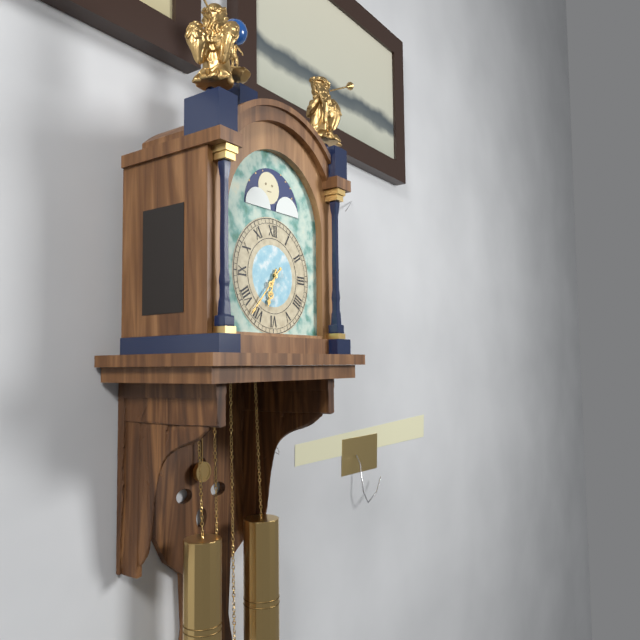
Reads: 6:37
